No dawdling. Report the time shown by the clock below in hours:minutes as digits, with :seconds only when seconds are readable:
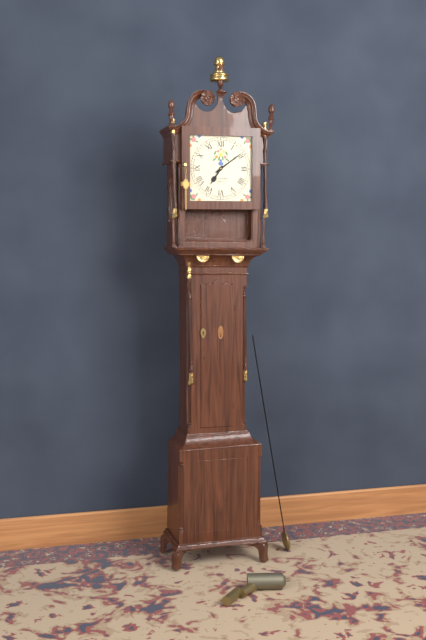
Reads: 7:09
